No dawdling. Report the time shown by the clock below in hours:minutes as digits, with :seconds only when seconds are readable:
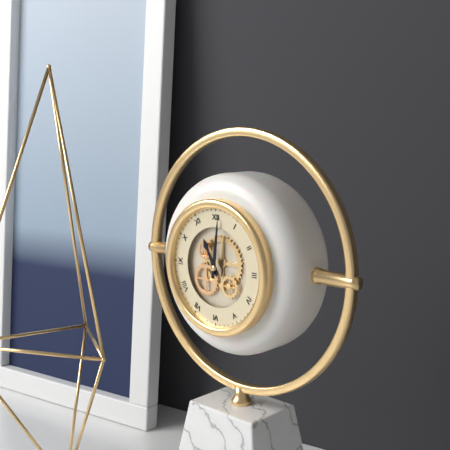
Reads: 11:01
